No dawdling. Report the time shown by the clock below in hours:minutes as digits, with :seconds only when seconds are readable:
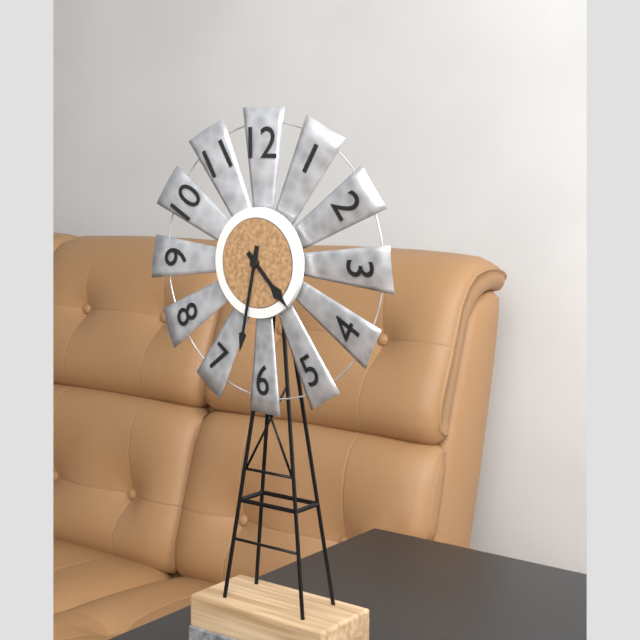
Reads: 4:32
